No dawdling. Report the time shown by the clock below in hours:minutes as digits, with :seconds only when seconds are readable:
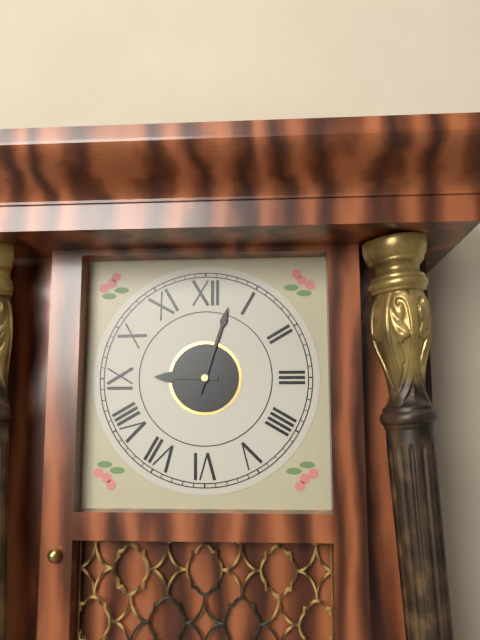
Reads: 9:03
